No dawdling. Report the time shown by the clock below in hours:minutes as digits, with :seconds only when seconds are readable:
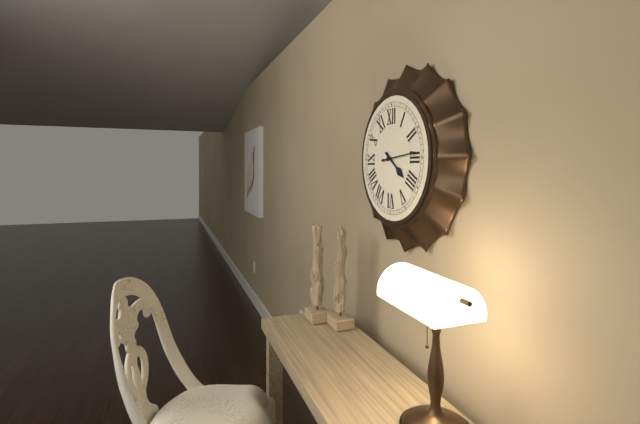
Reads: 4:14
